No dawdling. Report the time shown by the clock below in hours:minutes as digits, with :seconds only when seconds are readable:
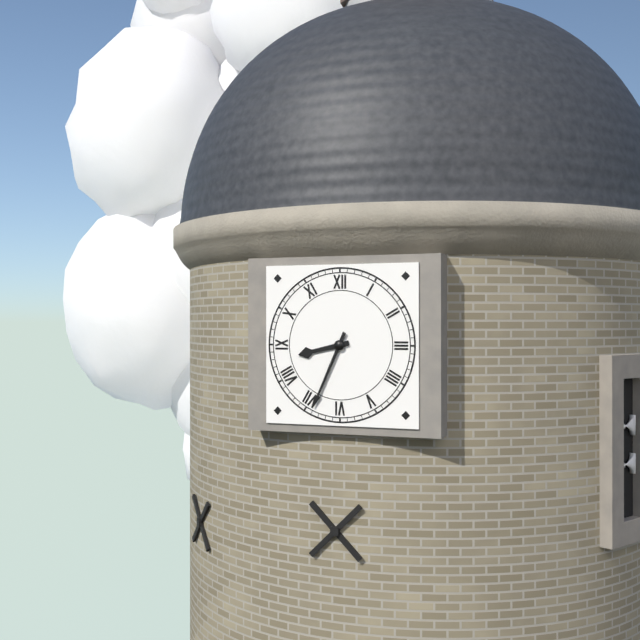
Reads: 8:34
